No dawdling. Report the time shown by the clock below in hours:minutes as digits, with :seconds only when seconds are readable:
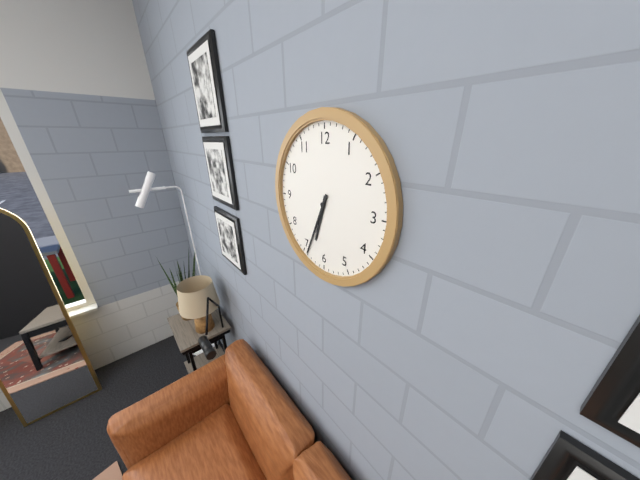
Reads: 6:34
